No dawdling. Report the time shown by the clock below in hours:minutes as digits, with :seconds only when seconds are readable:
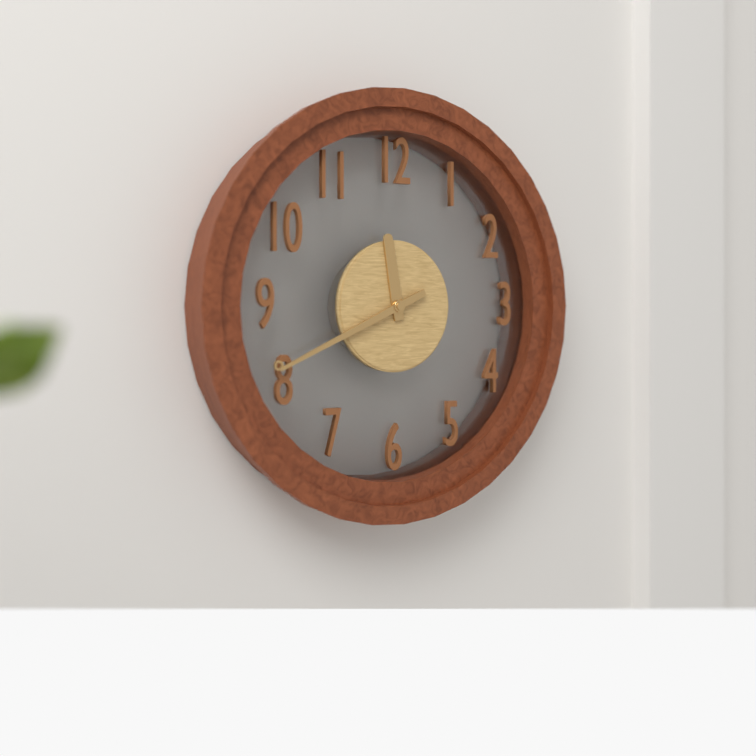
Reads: 11:41
